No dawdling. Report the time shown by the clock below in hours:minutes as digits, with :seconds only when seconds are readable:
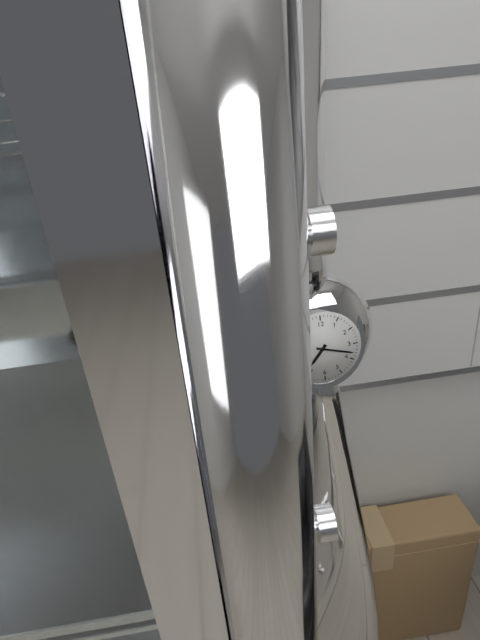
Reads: 7:18
